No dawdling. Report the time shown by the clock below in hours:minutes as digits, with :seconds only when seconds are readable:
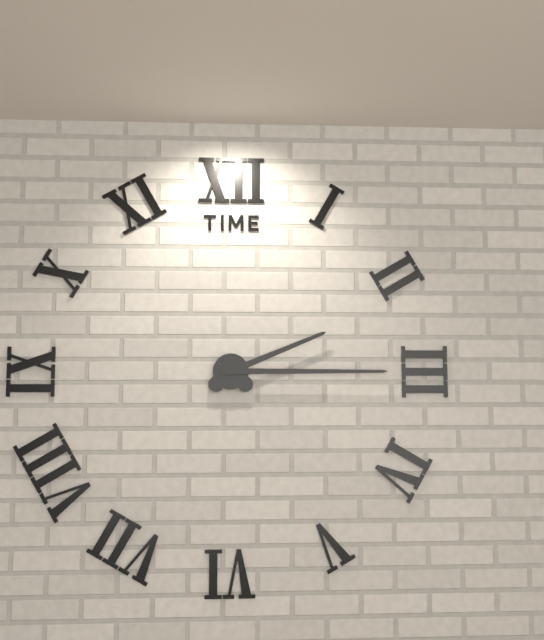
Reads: 2:15
